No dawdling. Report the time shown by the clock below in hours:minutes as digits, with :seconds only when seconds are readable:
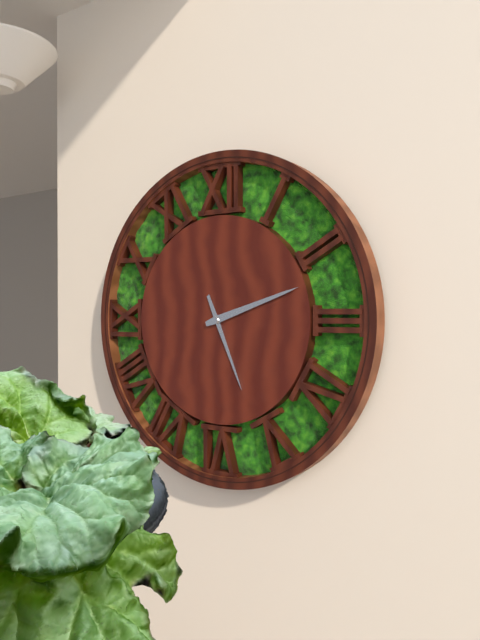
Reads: 5:12
